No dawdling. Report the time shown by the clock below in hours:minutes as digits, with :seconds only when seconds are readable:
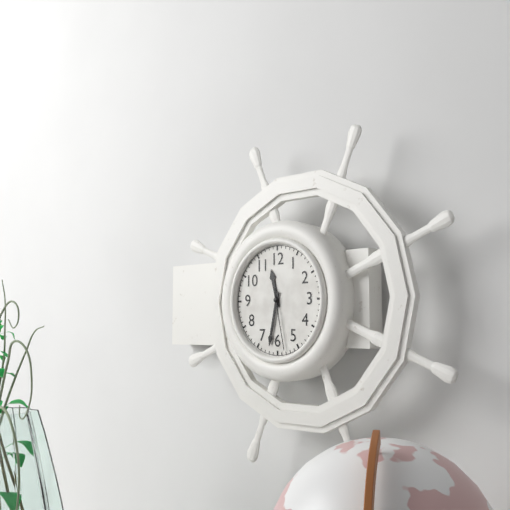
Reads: 11:32:28
